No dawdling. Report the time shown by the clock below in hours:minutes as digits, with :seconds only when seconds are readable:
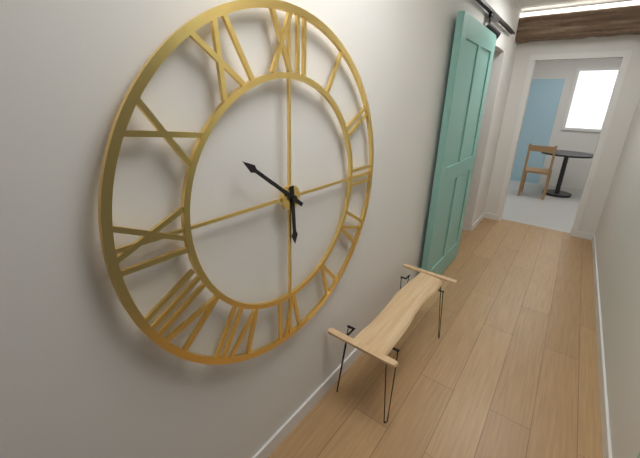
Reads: 5:51
